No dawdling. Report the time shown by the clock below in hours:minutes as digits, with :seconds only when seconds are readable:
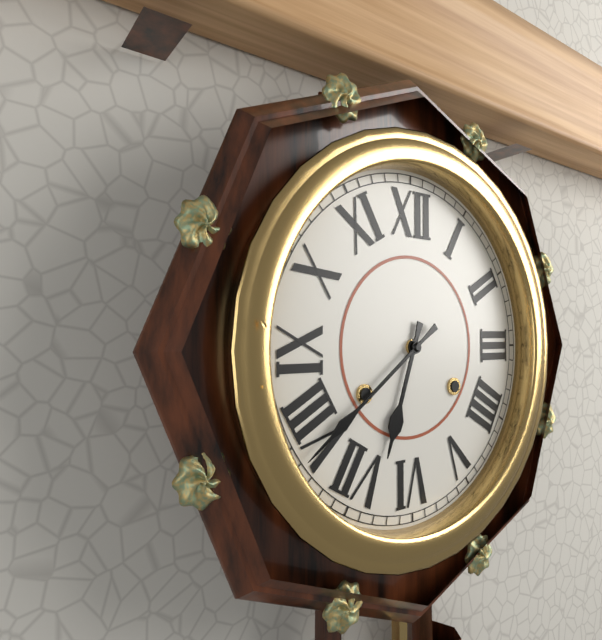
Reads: 6:39
